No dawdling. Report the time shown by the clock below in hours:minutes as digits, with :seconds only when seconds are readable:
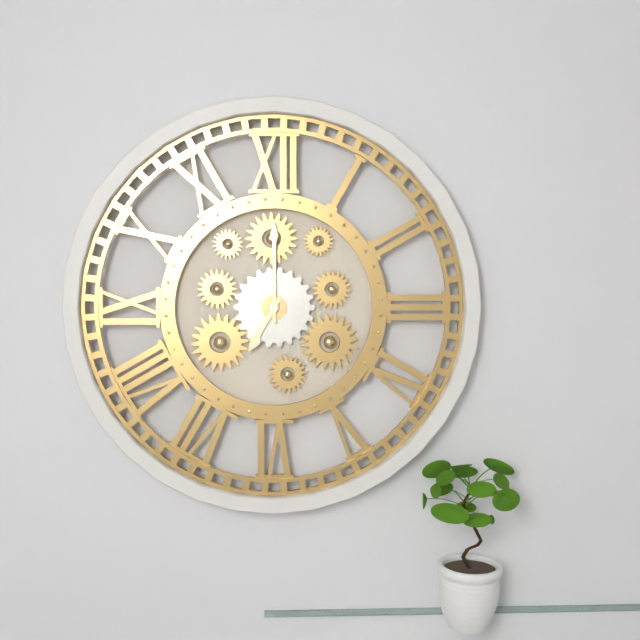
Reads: 7:00
